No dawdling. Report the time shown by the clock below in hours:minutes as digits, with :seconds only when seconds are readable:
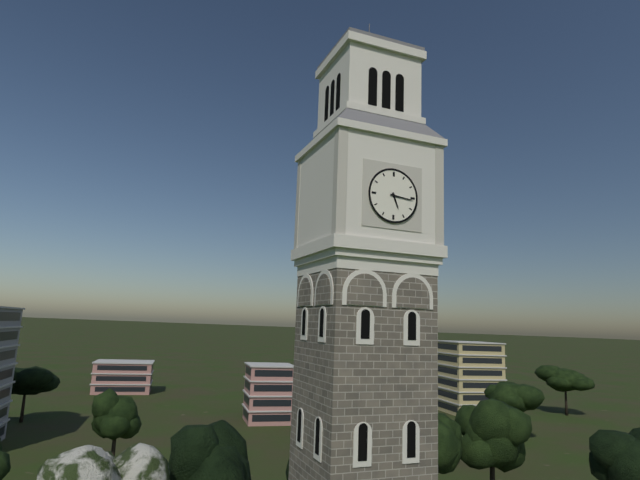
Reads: 5:16
